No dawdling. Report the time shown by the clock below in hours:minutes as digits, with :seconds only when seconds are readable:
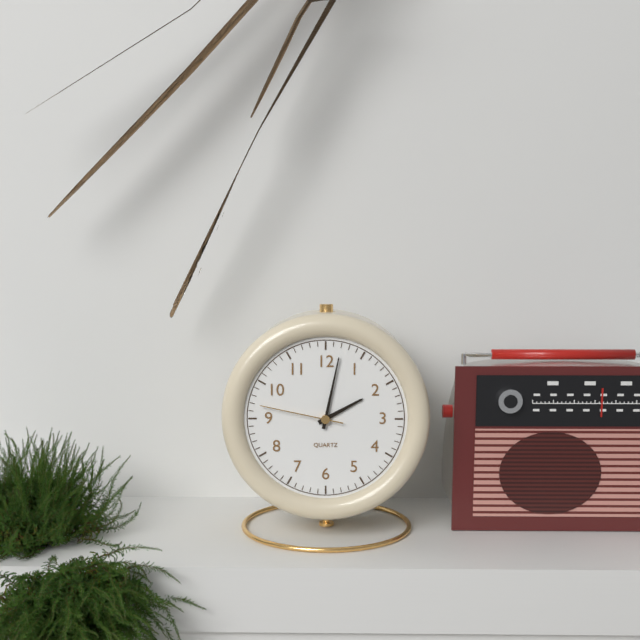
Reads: 2:02:47
